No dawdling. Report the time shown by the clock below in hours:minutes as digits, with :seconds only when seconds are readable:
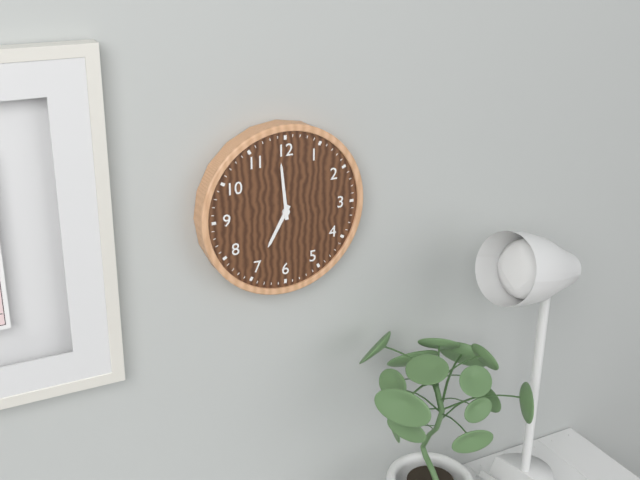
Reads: 6:59
